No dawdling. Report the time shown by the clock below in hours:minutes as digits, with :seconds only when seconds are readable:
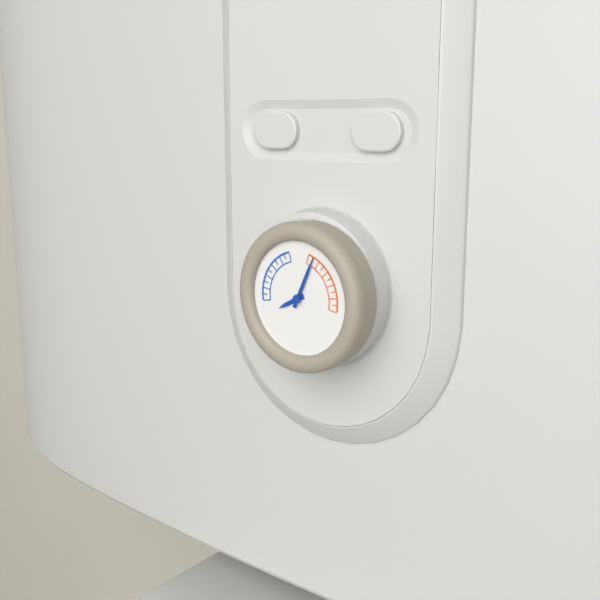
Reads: 8:04
